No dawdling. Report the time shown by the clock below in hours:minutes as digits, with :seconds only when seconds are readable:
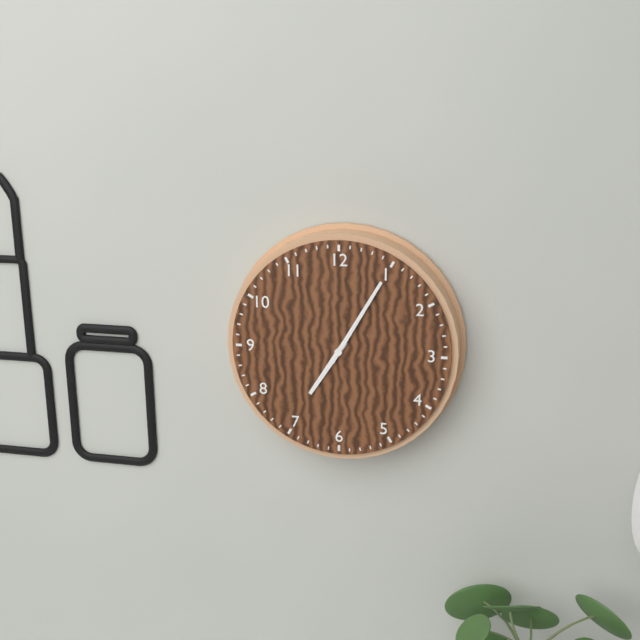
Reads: 7:05
